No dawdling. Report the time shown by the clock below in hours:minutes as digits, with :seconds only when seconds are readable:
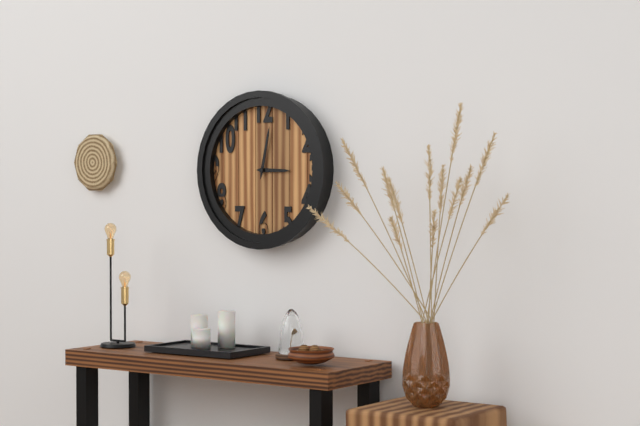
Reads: 3:02
